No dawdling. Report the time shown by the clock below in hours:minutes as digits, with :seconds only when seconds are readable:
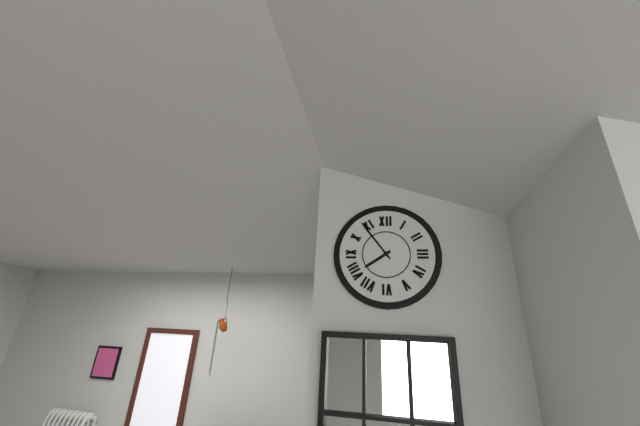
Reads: 7:54
